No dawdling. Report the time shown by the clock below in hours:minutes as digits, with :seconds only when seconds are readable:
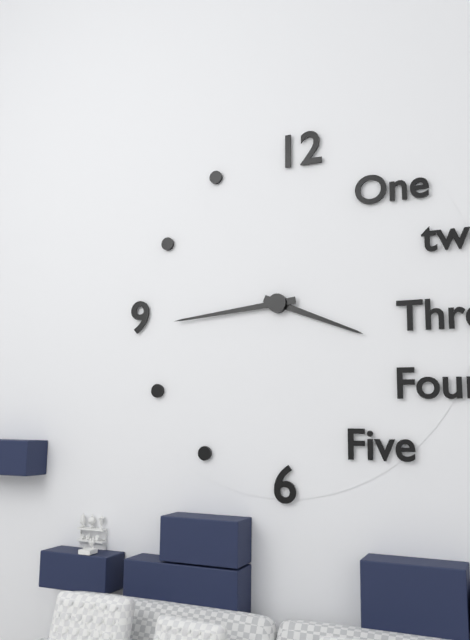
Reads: 3:44
